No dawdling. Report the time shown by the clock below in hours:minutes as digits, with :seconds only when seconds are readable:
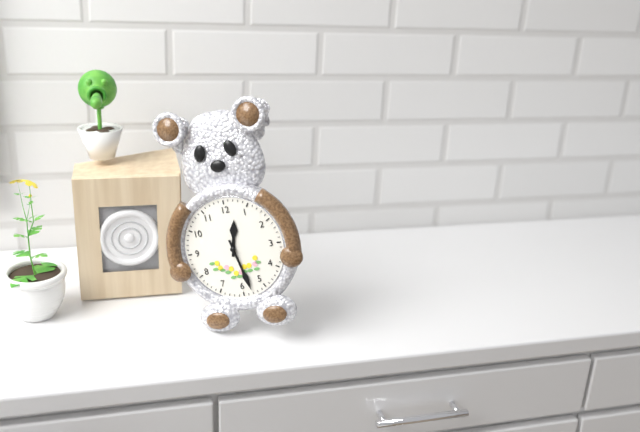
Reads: 12:28
